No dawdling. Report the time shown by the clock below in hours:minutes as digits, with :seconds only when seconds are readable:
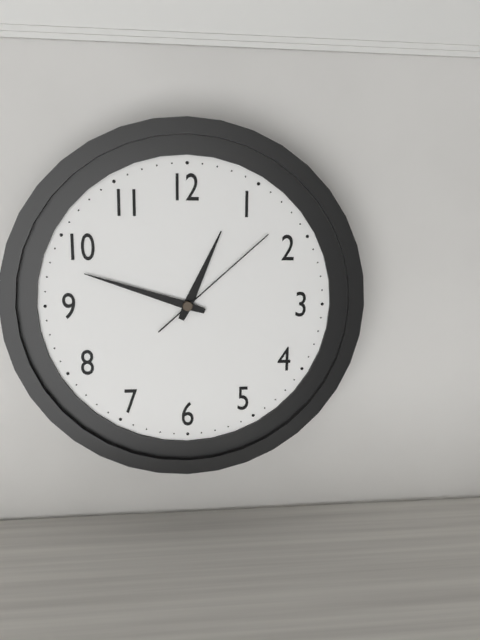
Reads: 12:48:08
